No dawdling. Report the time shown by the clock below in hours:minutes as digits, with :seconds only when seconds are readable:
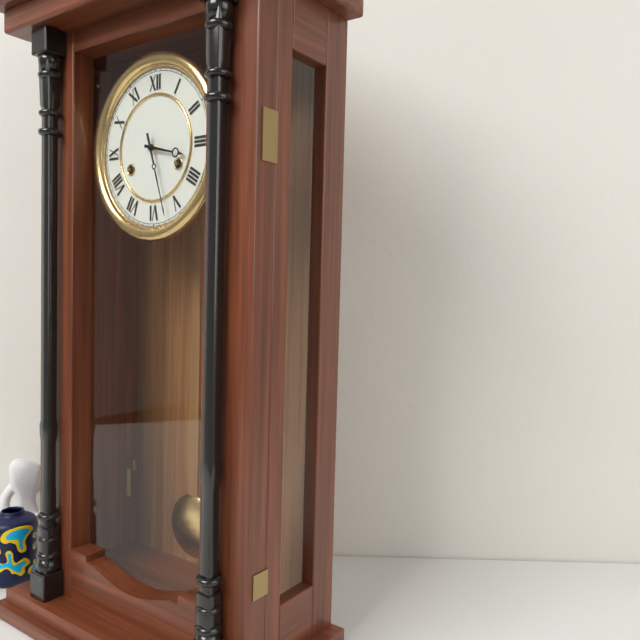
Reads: 3:27
